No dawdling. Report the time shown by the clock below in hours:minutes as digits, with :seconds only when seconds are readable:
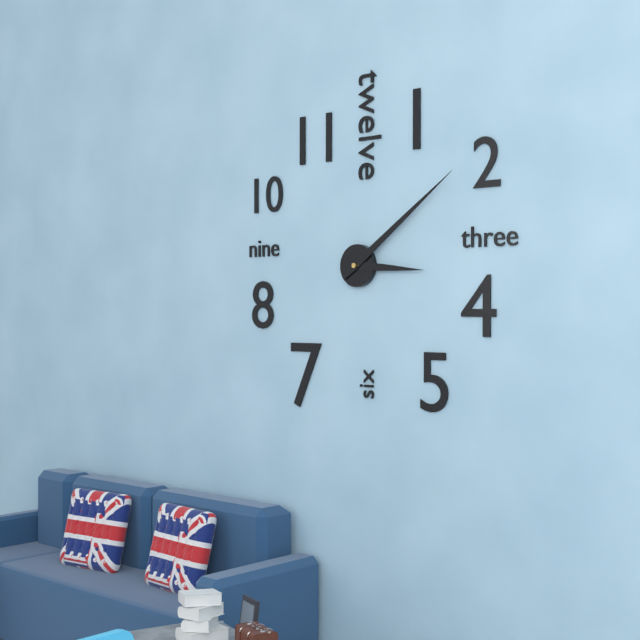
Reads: 3:09
